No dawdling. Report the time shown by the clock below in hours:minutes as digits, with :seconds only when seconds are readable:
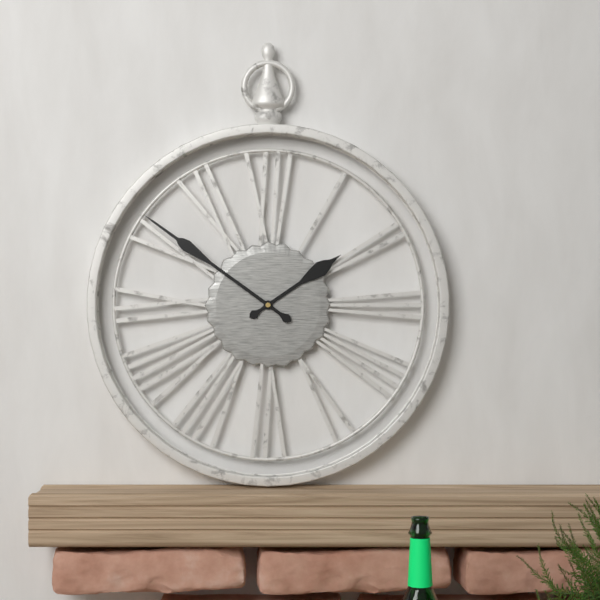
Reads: 1:51
